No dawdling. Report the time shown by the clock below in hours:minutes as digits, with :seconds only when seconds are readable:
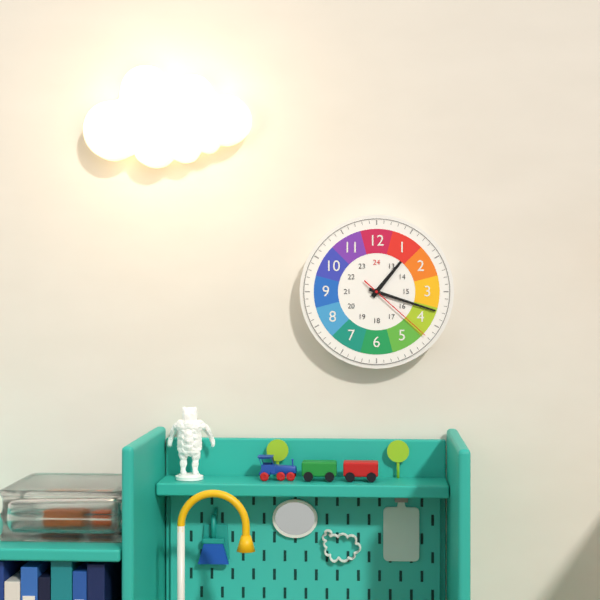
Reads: 1:18:22
